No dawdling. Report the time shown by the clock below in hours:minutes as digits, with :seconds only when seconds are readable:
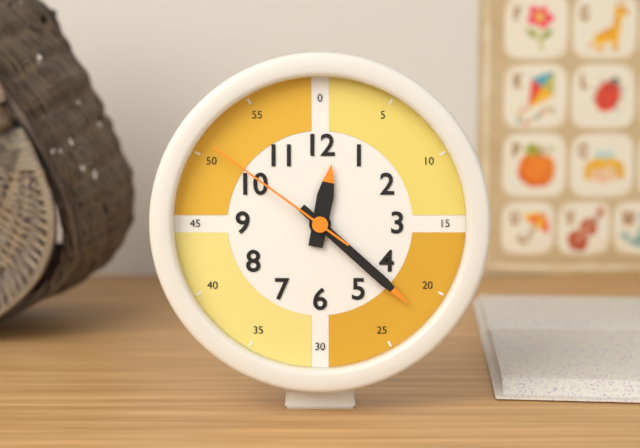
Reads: 12:22:51
